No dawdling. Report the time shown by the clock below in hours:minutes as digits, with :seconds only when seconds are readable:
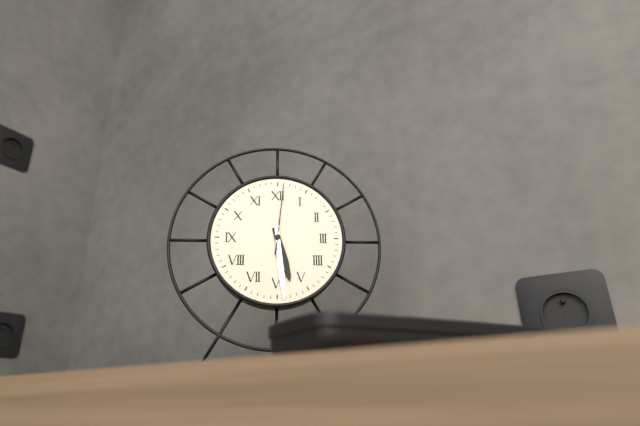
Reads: 5:29:01
